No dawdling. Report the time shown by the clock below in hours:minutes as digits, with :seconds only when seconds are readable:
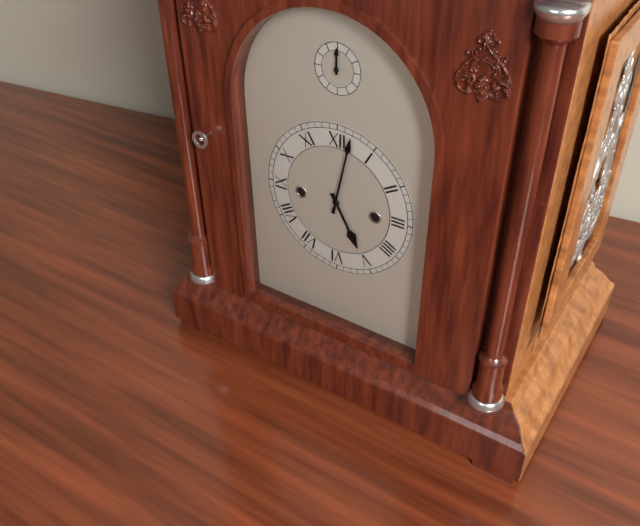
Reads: 5:02
